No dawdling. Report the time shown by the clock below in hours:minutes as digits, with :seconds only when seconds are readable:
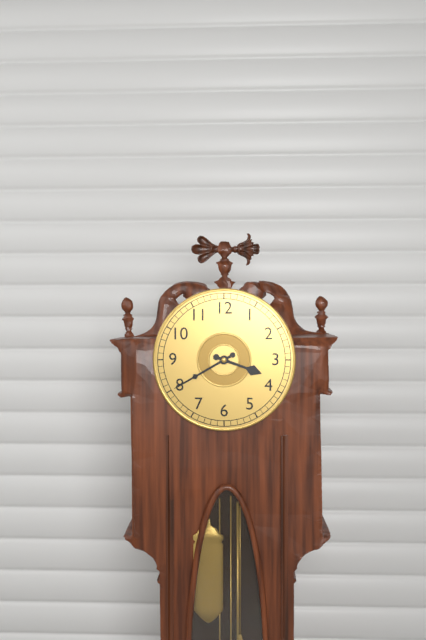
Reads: 3:40
